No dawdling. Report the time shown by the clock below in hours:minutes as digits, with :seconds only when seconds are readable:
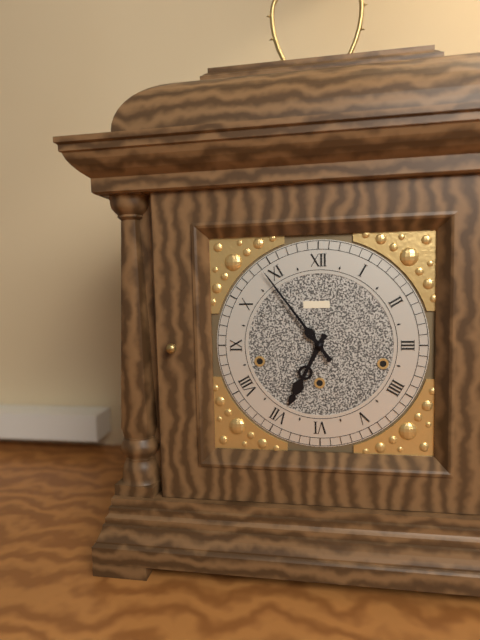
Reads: 6:54
